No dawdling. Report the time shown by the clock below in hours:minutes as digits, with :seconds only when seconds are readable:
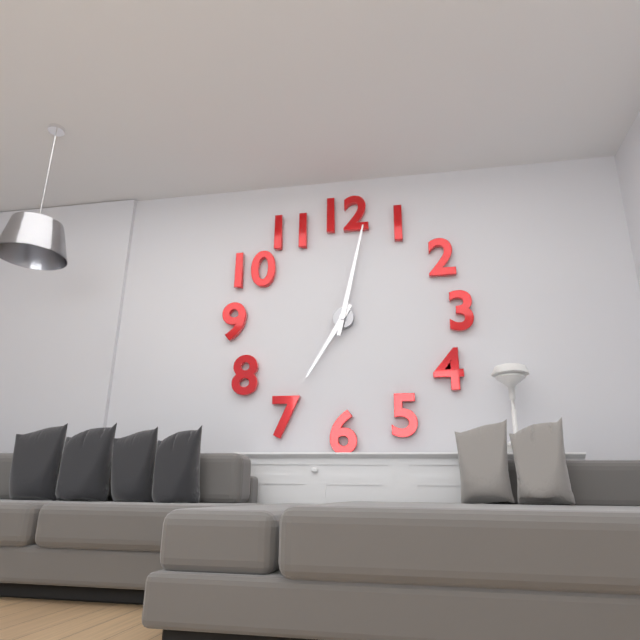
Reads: 7:02
